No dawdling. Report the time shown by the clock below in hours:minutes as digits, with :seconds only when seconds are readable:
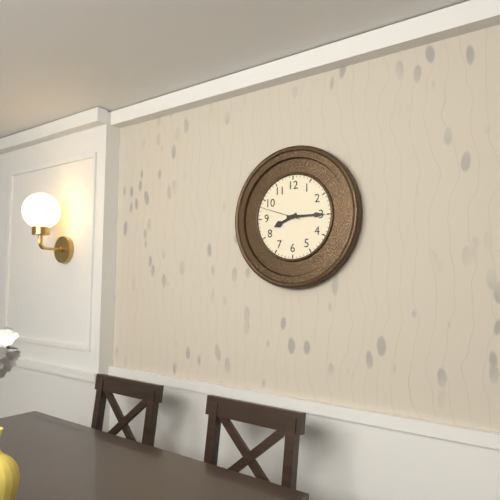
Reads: 8:15
